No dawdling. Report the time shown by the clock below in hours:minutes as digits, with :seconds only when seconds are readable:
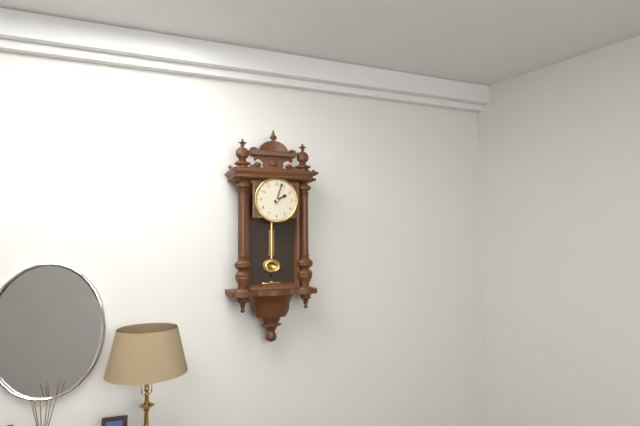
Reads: 2:03
